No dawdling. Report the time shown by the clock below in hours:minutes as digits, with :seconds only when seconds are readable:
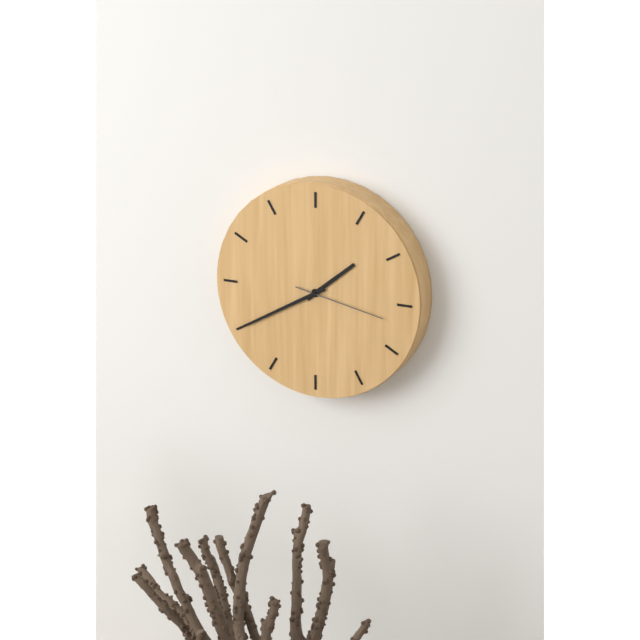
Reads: 1:40:17
